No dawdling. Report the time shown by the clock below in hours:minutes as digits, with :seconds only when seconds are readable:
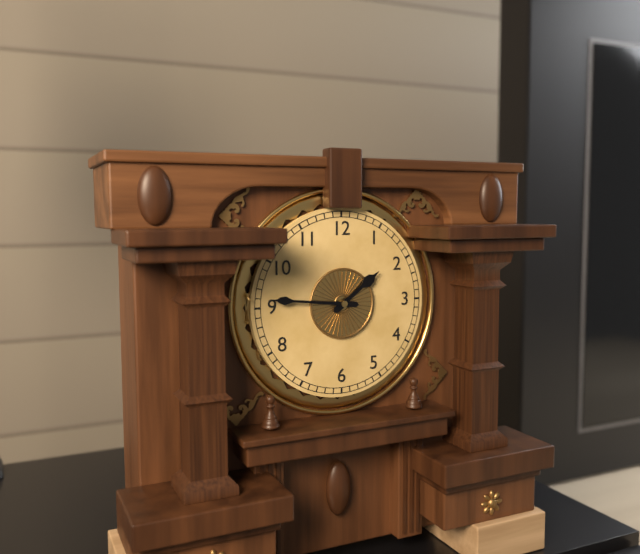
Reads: 1:46
